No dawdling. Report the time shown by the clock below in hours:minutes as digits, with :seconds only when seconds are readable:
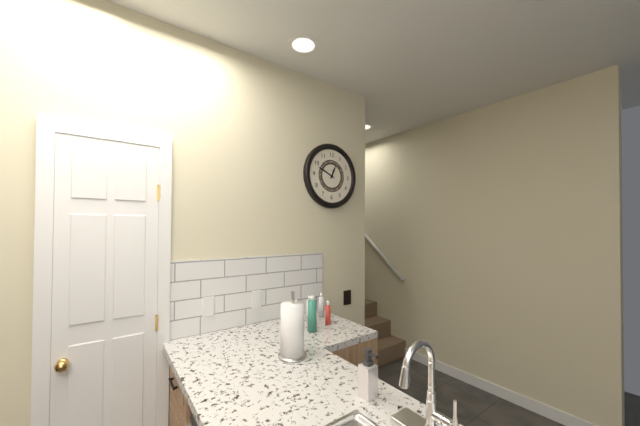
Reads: 12:49
